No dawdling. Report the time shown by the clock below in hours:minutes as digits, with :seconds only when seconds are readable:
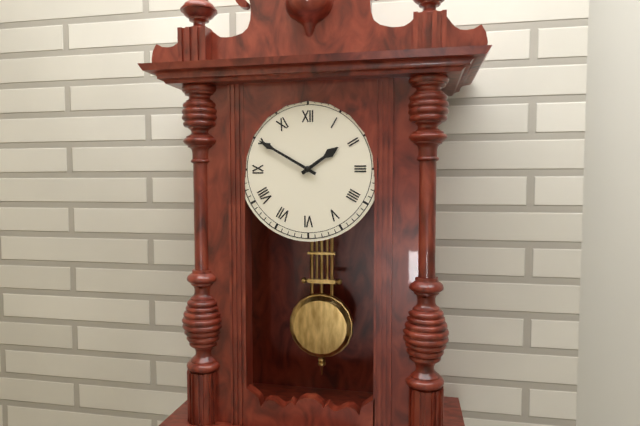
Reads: 1:50
